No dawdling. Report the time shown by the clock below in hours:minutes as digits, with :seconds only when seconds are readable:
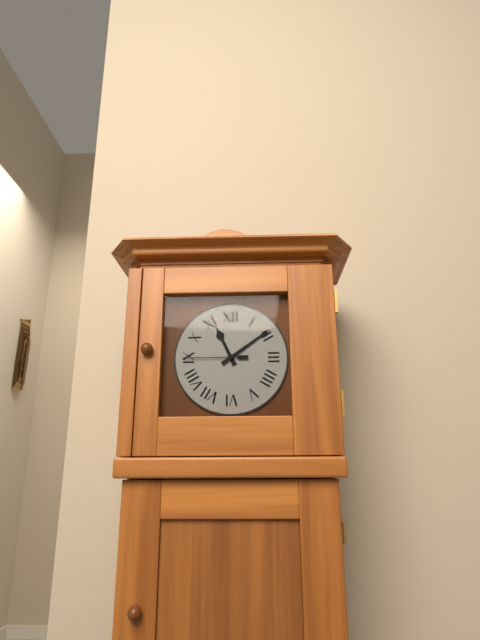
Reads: 11:09:45
